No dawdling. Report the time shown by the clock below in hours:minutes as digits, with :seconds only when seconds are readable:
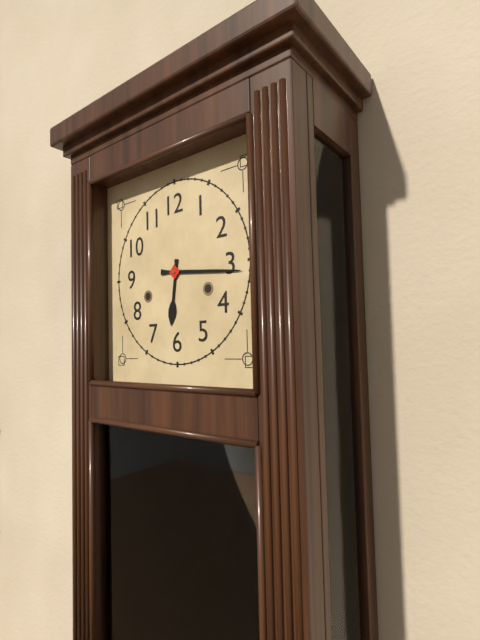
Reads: 6:16
